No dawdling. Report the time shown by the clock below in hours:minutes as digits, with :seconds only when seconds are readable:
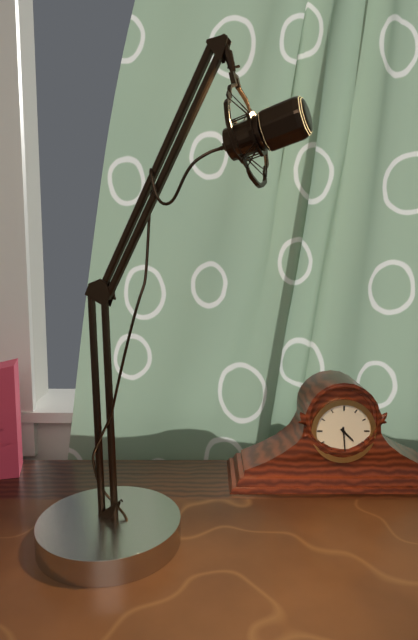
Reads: 4:29
